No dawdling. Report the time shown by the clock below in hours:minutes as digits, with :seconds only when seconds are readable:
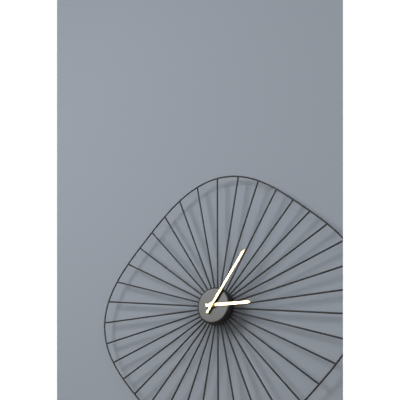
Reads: 3:06
